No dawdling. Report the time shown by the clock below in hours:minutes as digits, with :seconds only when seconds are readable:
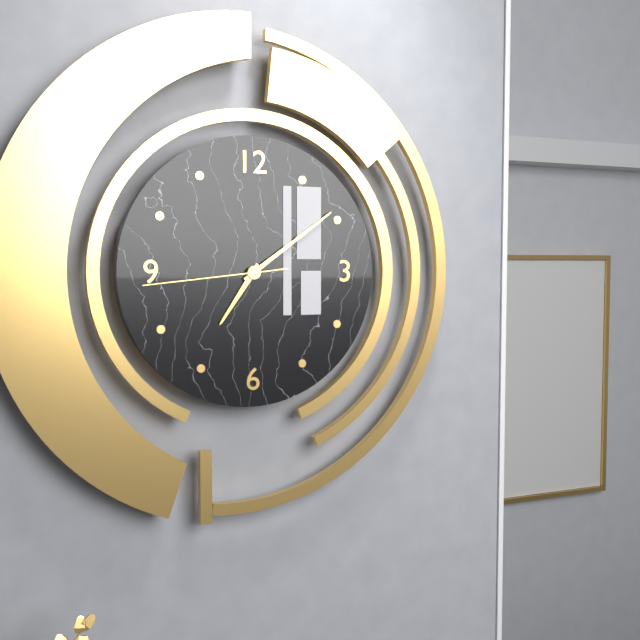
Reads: 7:09:44
